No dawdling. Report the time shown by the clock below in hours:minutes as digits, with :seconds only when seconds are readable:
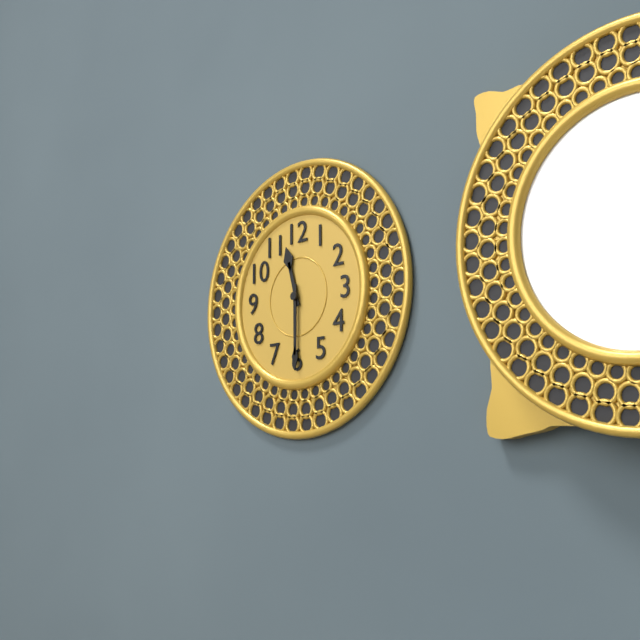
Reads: 11:30
